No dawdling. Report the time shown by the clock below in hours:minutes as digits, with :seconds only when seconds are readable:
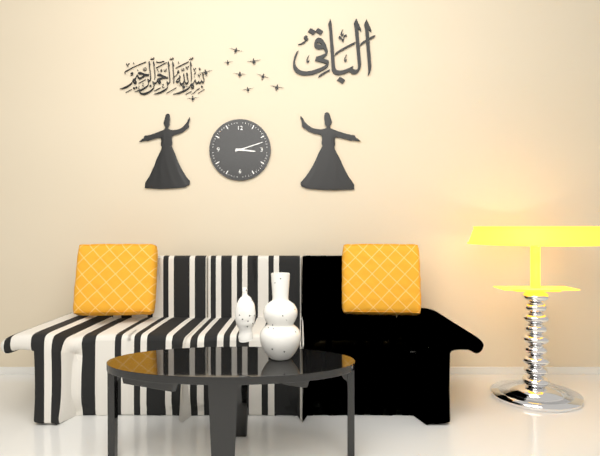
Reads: 3:12
